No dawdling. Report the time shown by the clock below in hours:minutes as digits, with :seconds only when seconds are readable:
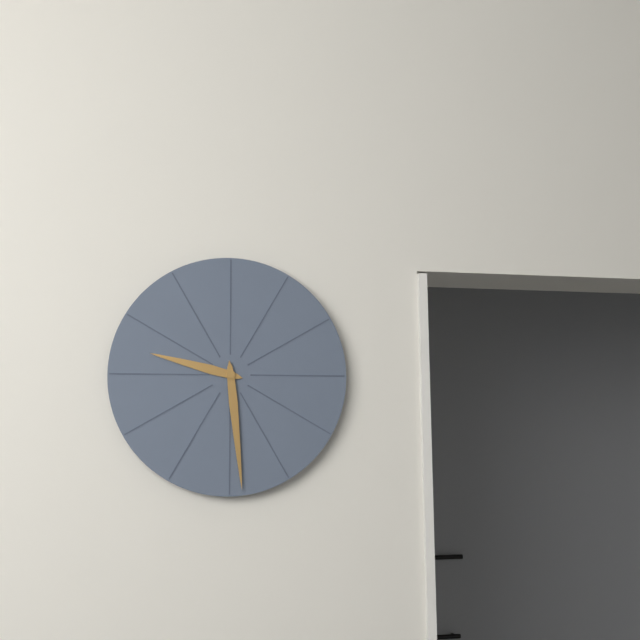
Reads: 9:29
